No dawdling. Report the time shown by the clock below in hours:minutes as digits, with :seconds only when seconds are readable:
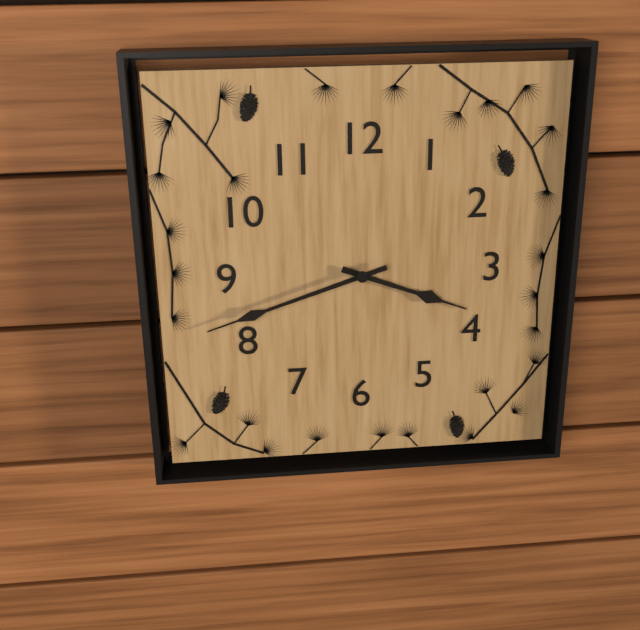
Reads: 3:42
